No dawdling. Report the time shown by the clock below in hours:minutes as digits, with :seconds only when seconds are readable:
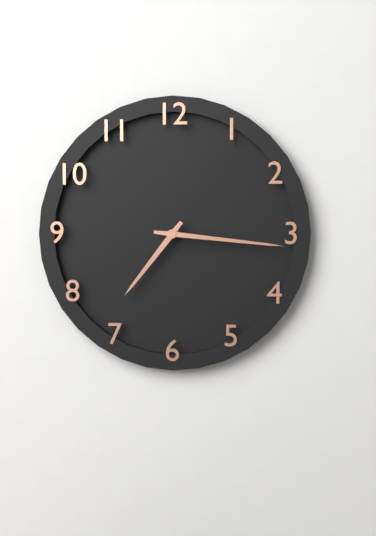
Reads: 7:16
